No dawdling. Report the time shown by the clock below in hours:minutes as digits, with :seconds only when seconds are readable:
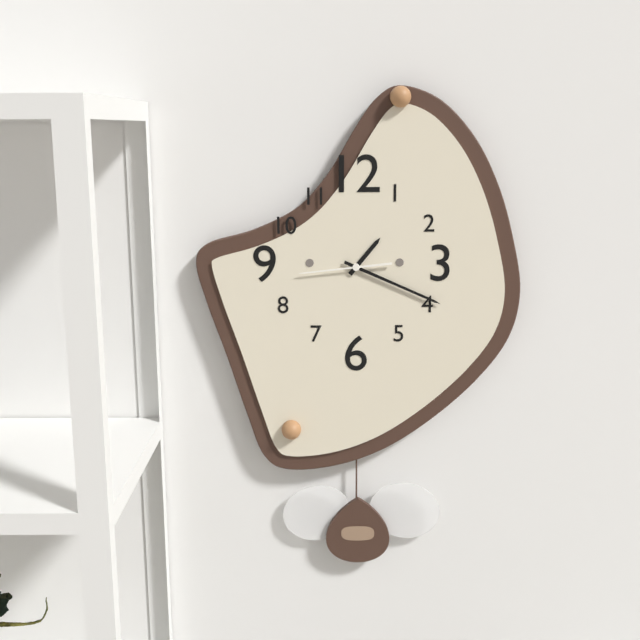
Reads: 1:19:44
